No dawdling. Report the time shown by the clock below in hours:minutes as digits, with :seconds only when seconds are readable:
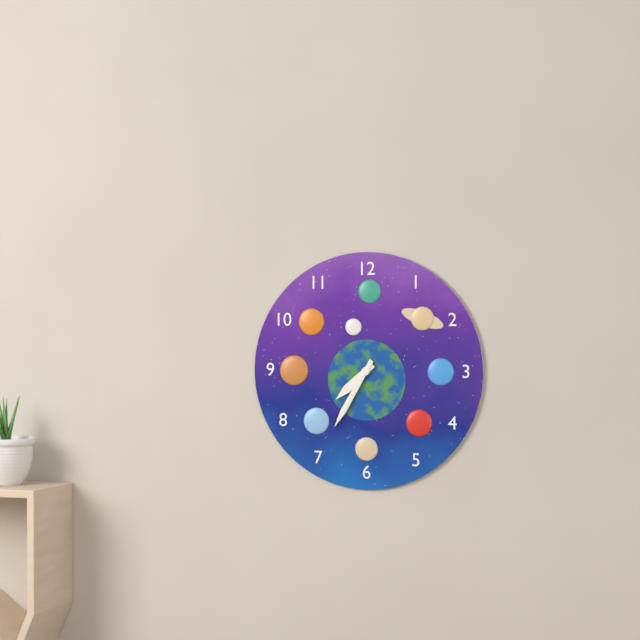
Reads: 7:35
